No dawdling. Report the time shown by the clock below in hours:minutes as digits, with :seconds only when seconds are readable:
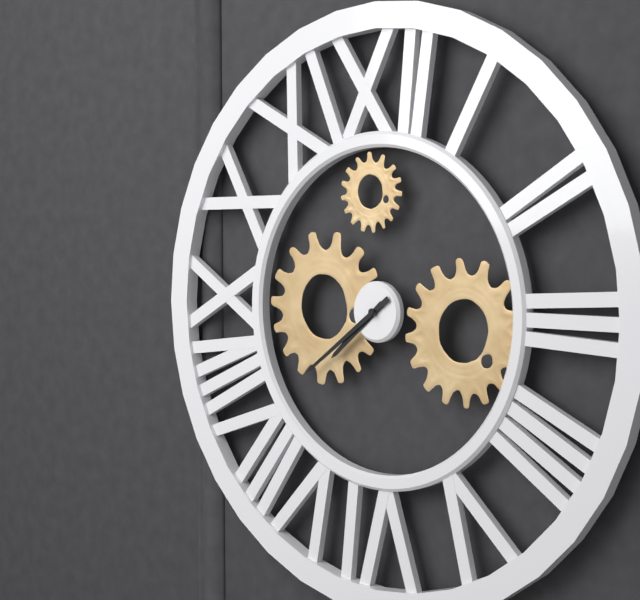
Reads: 7:39
